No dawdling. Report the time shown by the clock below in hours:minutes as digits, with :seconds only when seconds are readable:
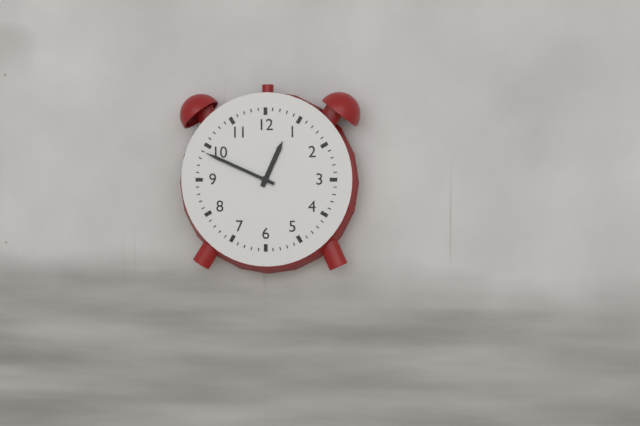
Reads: 12:49
